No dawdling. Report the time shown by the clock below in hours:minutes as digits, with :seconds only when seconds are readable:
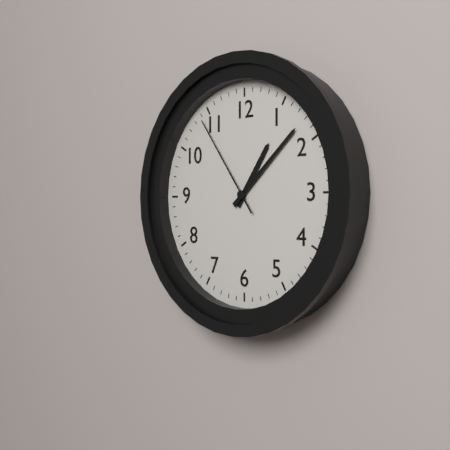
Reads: 1:08:54
